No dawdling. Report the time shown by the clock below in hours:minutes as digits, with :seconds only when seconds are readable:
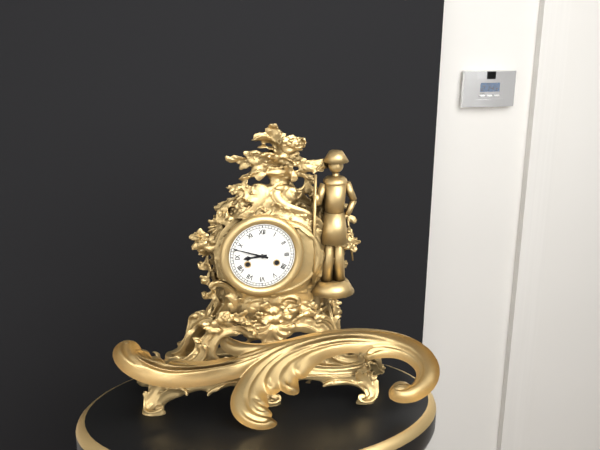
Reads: 8:48
